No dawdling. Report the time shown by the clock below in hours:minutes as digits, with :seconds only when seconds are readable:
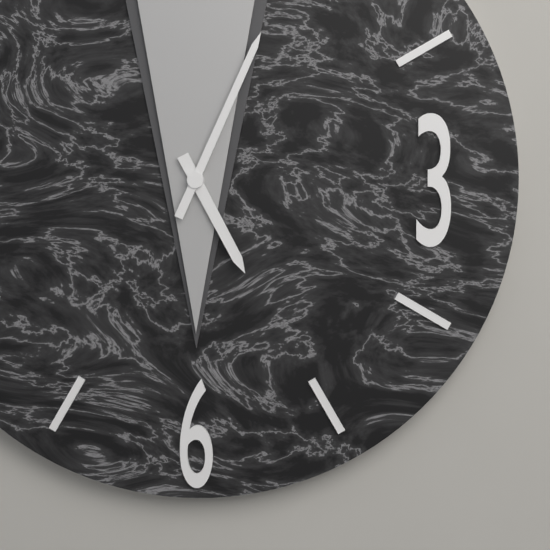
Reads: 5:04
